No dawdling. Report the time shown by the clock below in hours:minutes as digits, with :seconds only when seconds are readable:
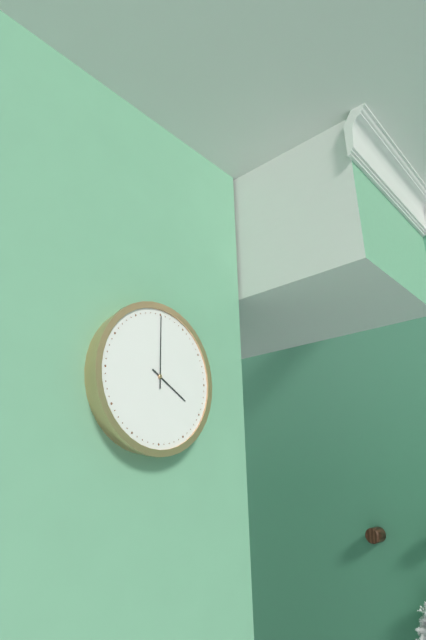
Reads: 4:00
